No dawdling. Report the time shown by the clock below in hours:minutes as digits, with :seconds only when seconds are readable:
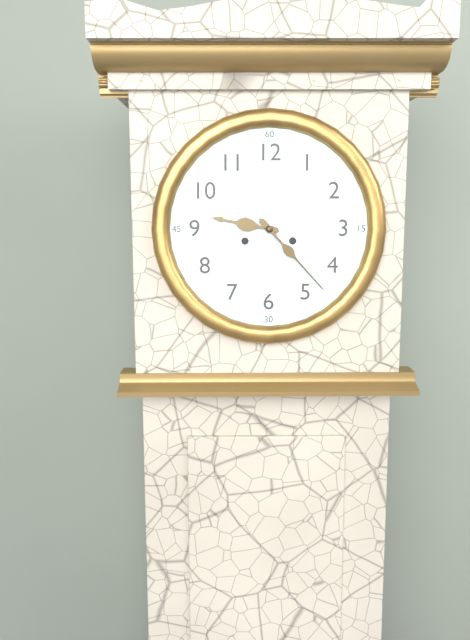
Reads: 9:23
